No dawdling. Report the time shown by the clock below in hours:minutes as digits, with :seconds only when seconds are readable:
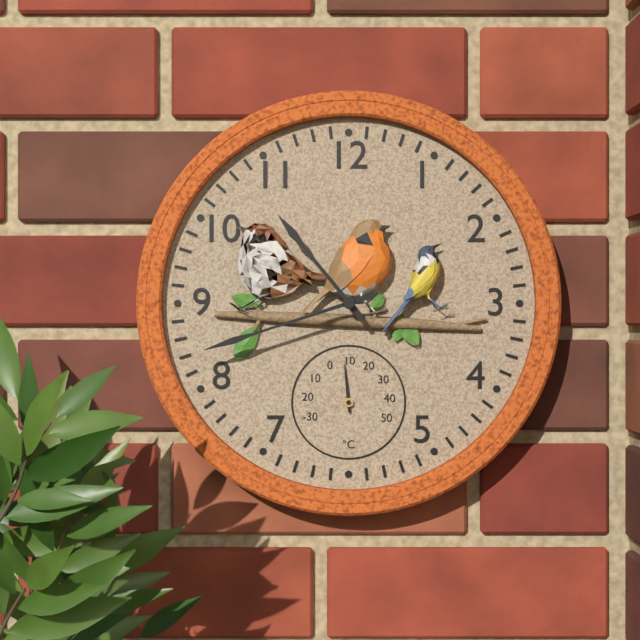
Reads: 10:42
